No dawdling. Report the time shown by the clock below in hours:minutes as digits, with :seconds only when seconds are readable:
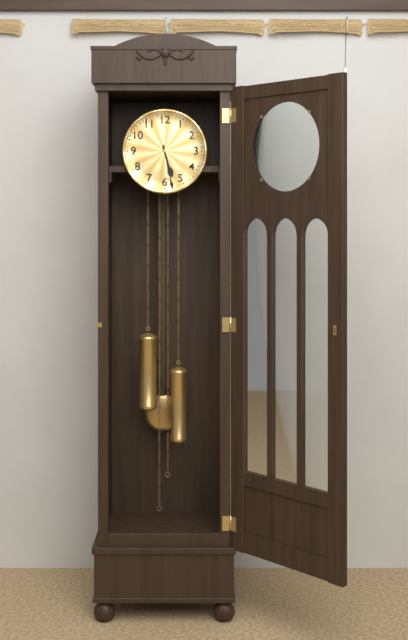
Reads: 5:28
